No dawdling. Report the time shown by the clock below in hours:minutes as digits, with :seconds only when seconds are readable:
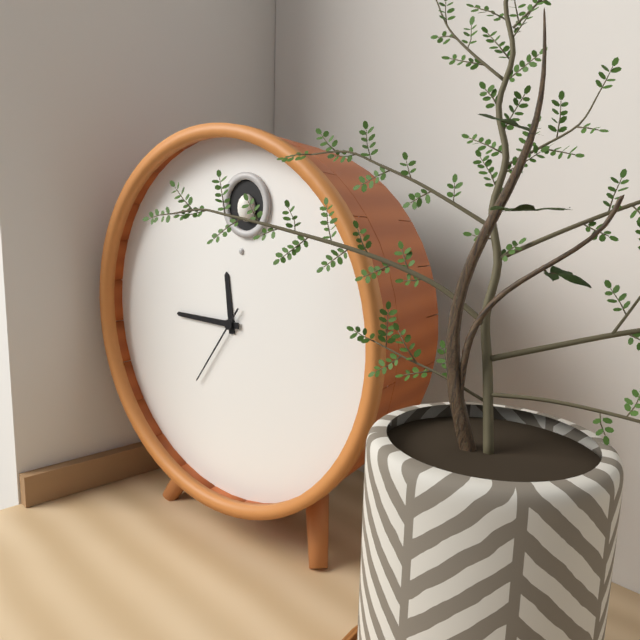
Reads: 11:45:36
